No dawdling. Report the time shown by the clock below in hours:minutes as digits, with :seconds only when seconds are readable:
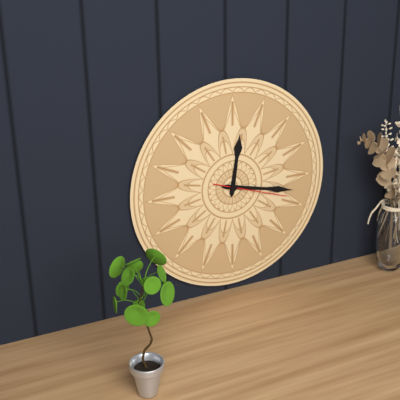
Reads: 12:17:18
